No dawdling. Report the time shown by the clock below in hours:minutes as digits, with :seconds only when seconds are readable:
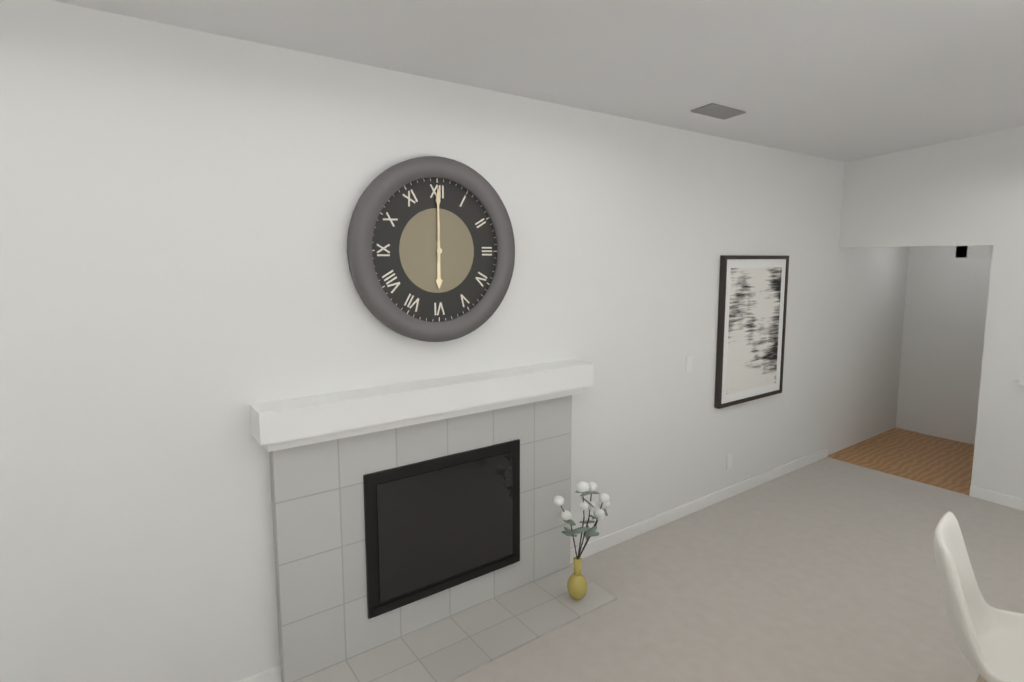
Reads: 6:00
